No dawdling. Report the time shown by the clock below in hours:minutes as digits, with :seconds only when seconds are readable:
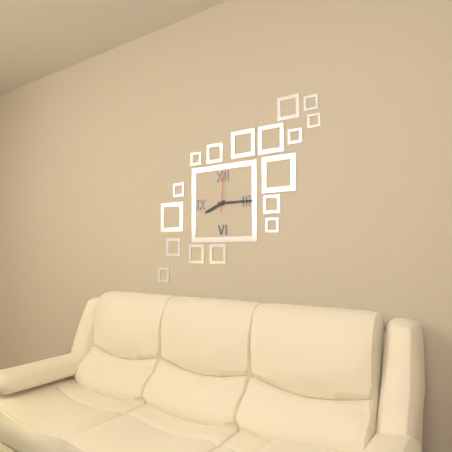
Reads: 8:15
